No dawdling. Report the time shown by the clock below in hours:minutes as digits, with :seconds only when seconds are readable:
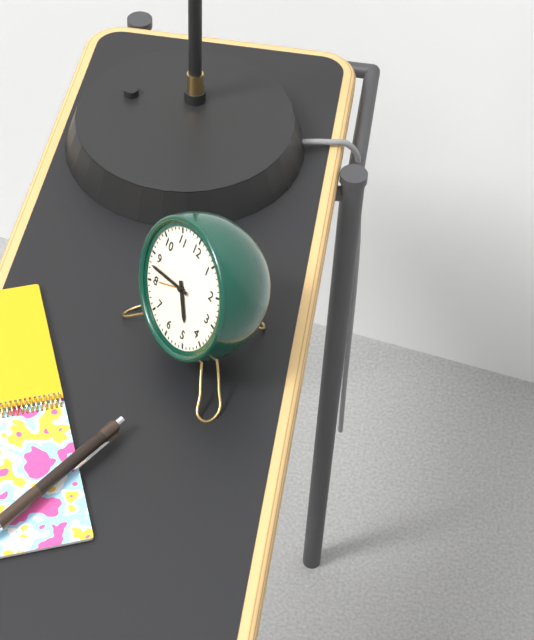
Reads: 4:43
